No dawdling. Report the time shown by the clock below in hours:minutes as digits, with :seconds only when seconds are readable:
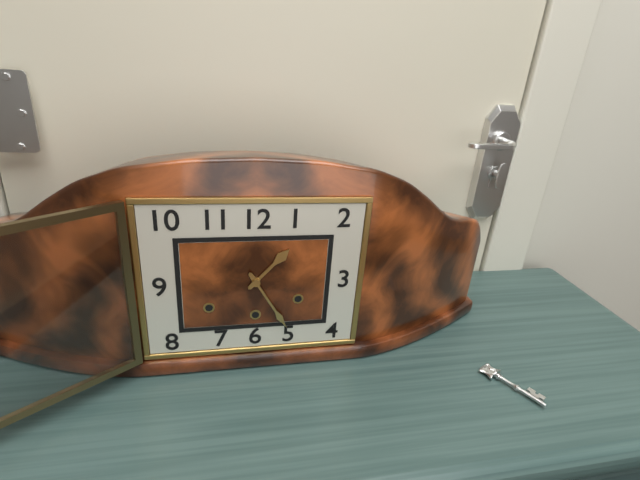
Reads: 1:25
